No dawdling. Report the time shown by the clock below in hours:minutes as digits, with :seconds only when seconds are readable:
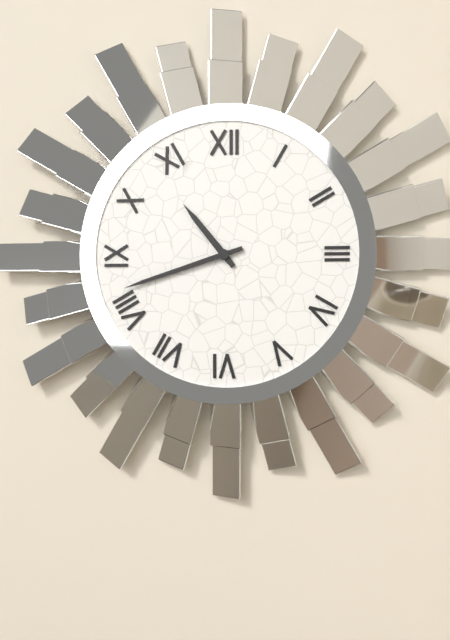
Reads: 10:42
